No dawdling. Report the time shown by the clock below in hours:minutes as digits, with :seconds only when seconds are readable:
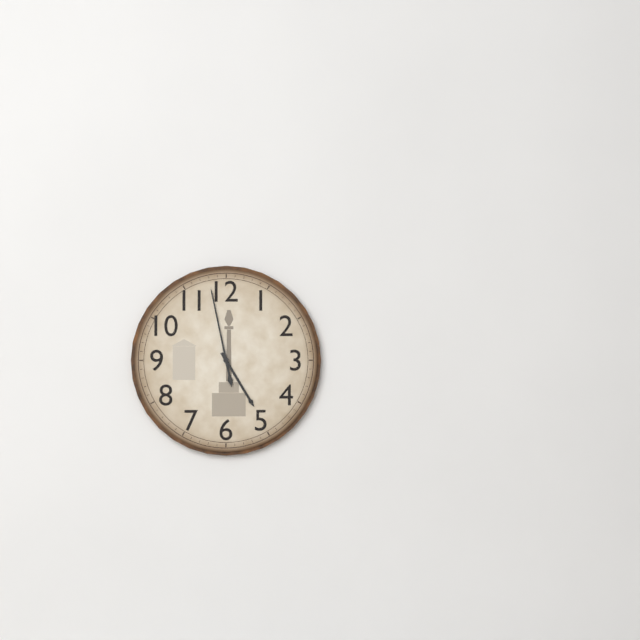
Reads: 4:58
